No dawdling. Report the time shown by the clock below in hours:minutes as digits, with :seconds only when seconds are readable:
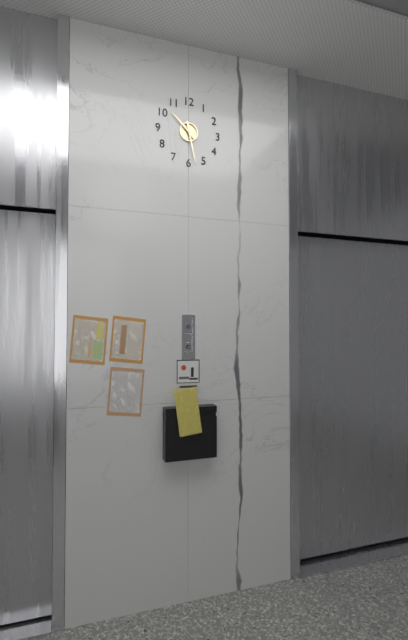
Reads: 10:28
